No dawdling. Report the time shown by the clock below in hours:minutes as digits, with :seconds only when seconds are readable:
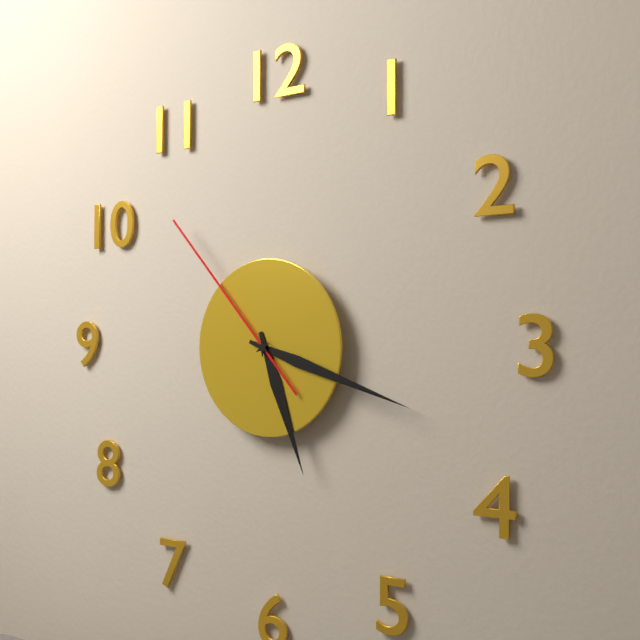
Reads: 5:18:53
